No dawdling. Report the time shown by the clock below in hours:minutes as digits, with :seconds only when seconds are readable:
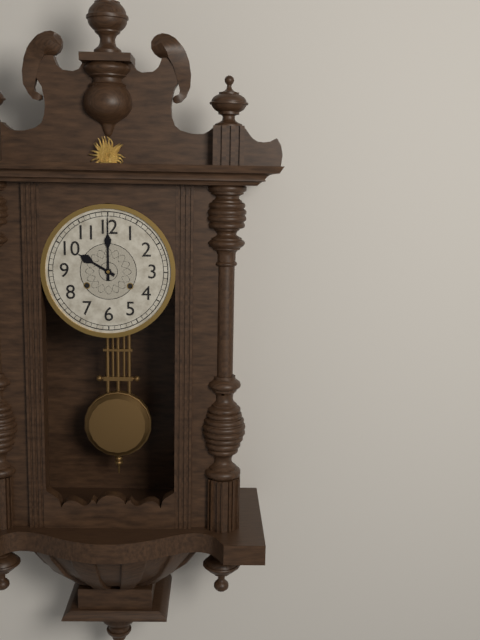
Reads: 10:00
